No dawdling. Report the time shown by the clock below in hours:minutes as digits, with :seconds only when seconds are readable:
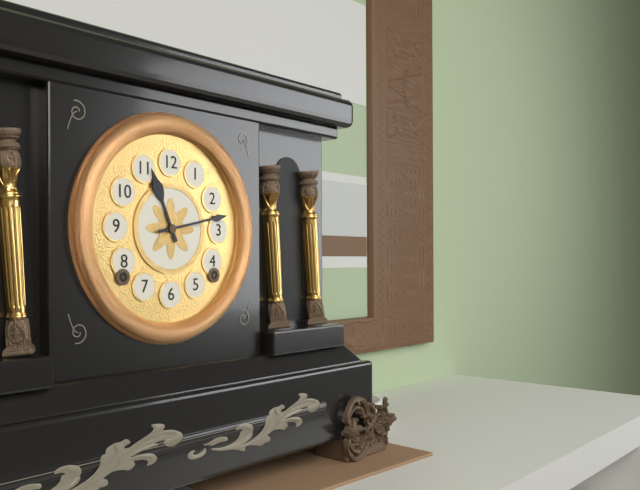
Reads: 11:13
